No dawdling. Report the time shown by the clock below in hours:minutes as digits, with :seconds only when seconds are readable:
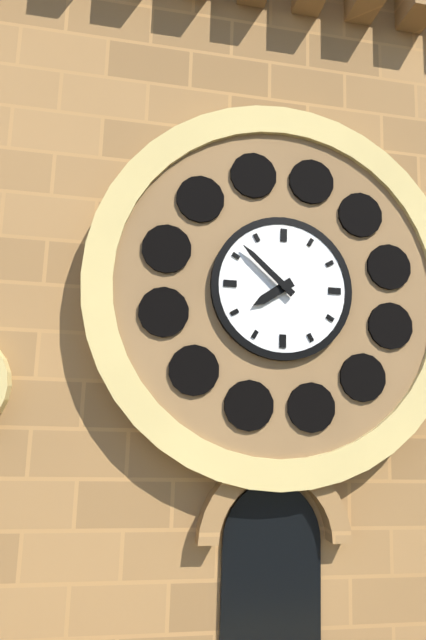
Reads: 7:52
